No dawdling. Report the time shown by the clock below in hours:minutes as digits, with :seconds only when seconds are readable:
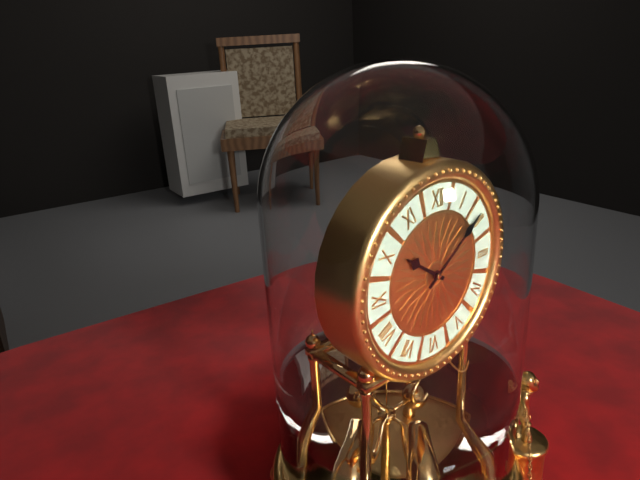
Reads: 10:09
